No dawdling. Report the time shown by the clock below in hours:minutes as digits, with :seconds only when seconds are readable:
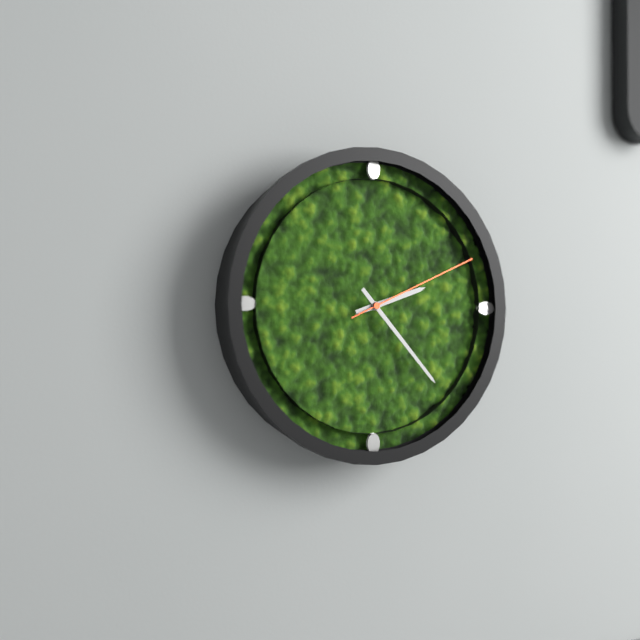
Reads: 2:23:11
